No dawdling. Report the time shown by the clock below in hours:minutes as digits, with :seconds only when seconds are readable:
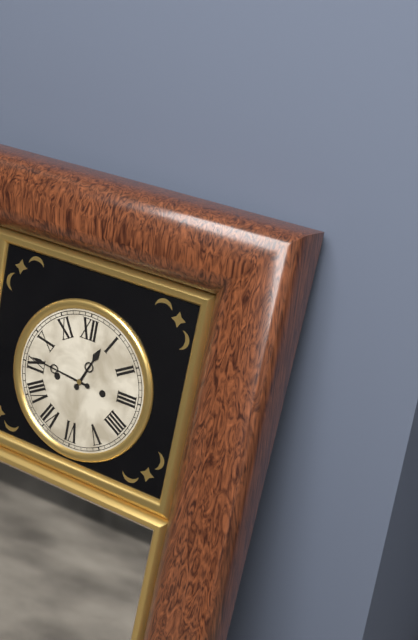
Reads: 12:46
